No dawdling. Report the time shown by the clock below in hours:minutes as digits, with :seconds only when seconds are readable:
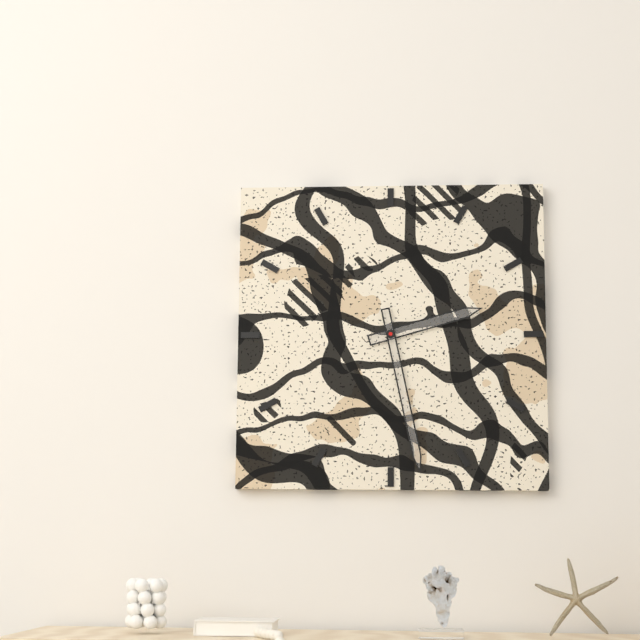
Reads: 2:28
